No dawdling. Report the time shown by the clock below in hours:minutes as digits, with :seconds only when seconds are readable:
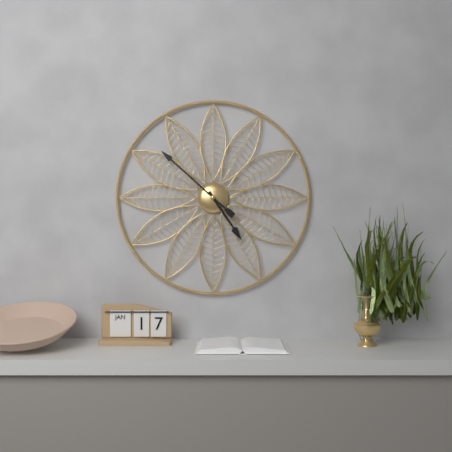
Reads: 4:52
